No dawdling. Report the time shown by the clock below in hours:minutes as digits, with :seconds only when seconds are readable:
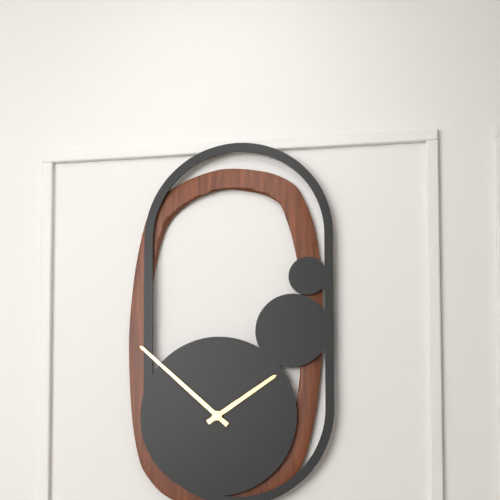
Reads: 1:52
